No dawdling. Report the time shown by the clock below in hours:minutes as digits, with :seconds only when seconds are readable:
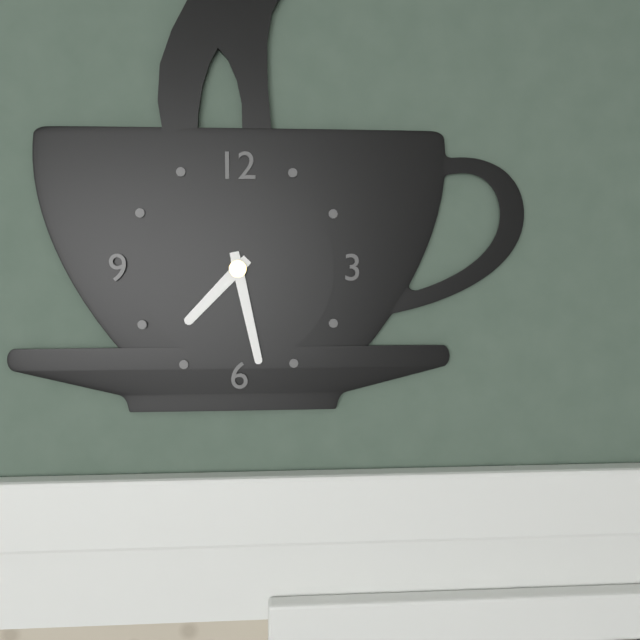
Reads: 7:28
